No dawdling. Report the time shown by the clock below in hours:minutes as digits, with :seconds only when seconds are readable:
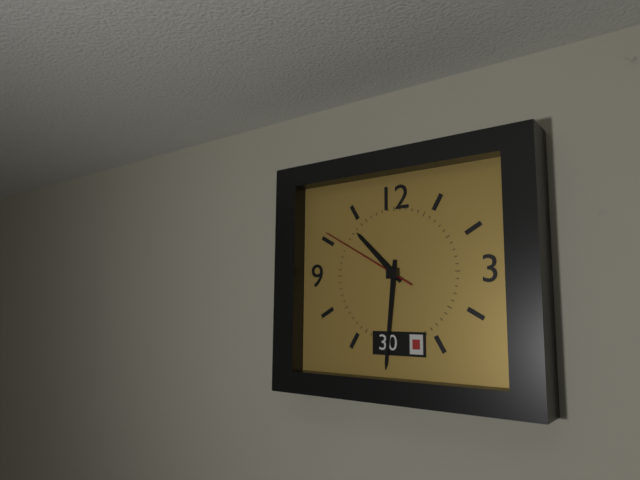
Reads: 10:31:50
